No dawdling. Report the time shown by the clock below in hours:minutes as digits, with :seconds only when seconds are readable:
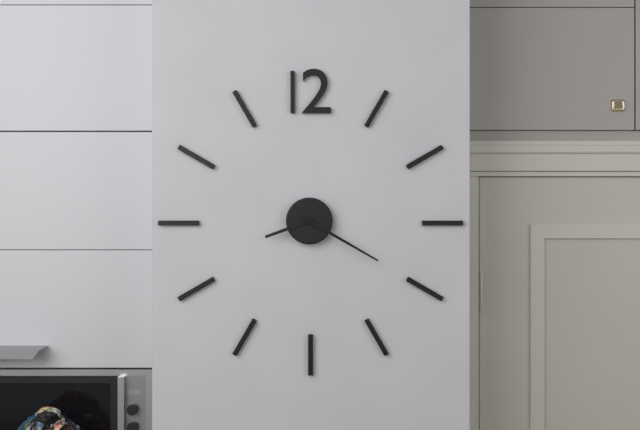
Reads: 8:20
